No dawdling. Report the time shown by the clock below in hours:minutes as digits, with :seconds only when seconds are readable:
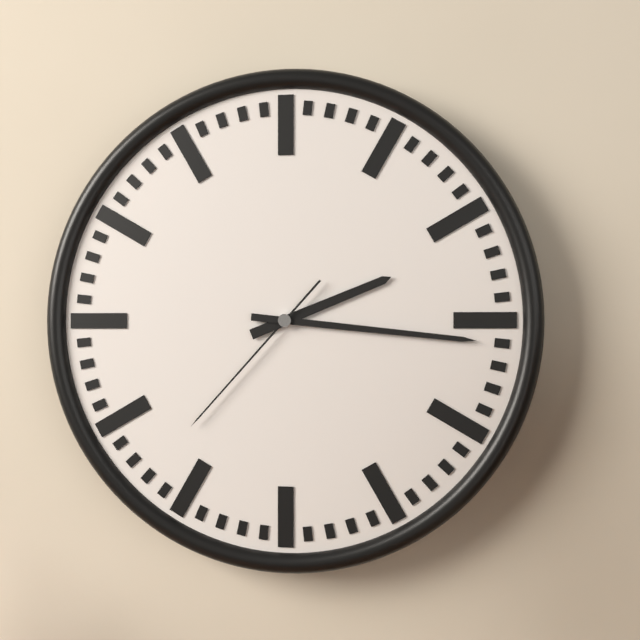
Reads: 2:16:37
